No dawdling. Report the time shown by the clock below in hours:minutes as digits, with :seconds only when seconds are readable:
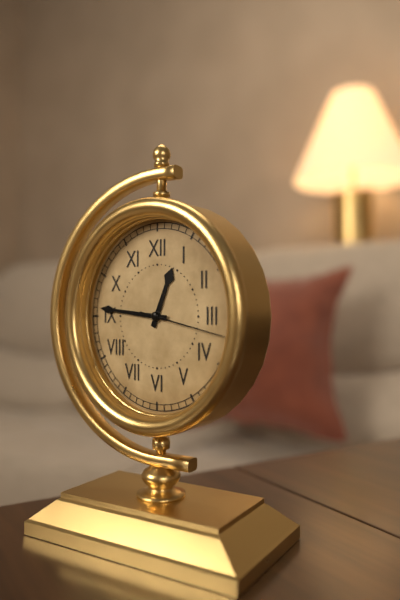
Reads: 12:46:17
